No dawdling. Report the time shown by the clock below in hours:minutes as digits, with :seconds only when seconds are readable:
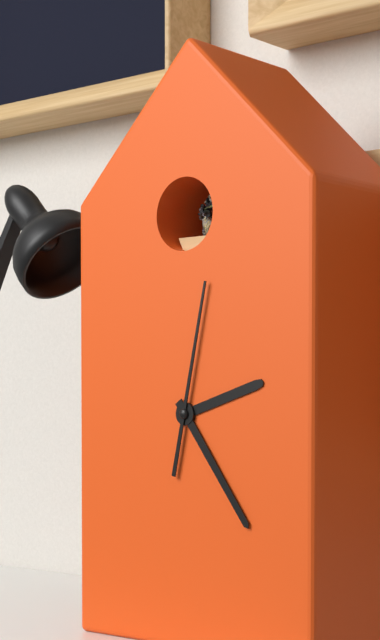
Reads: 2:24:02
